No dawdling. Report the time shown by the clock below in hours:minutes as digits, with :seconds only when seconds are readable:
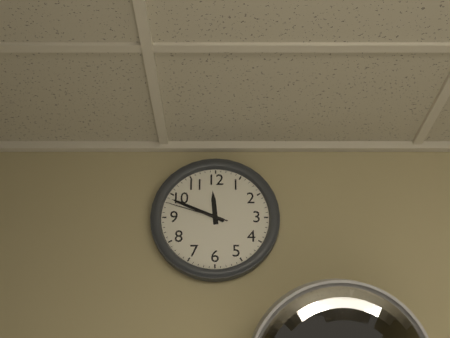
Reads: 11:49:48
